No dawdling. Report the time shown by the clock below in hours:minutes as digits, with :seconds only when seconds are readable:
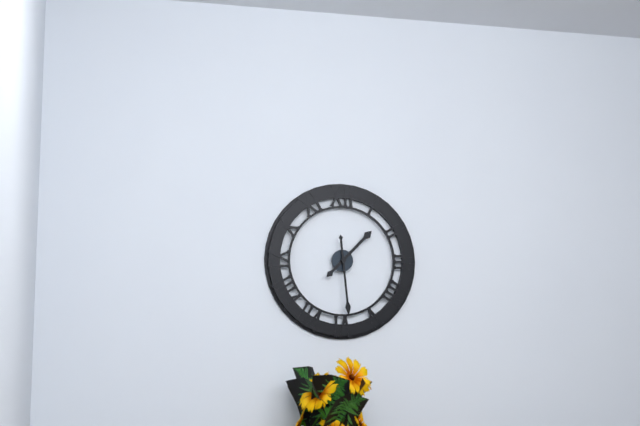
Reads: 1:29
